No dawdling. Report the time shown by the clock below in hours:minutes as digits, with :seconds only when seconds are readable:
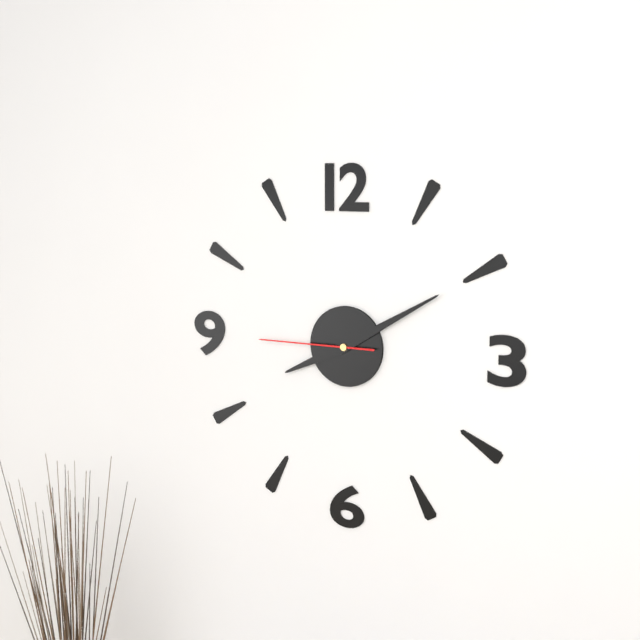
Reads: 8:10:45
